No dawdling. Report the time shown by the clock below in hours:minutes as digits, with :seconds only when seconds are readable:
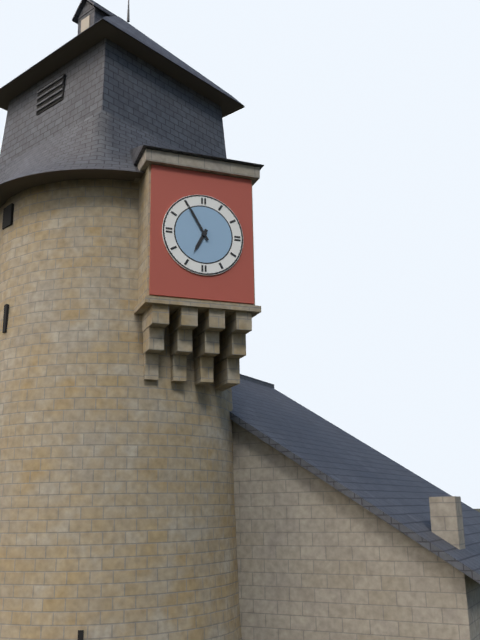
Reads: 6:55
